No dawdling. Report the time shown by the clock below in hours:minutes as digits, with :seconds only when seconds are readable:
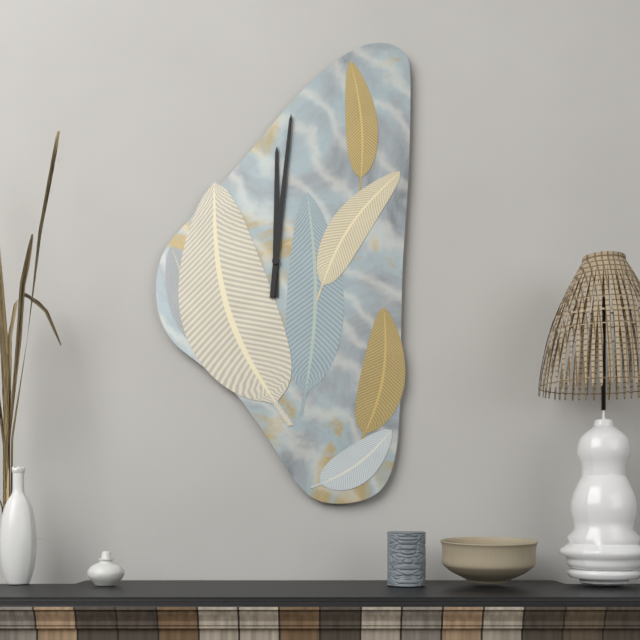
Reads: 12:01
